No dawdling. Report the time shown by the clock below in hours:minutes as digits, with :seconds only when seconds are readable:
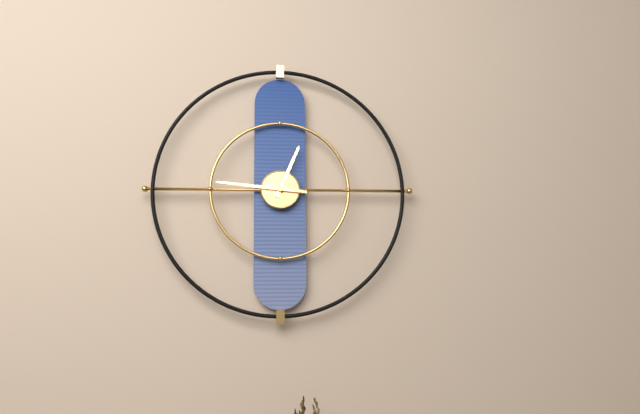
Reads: 12:46
